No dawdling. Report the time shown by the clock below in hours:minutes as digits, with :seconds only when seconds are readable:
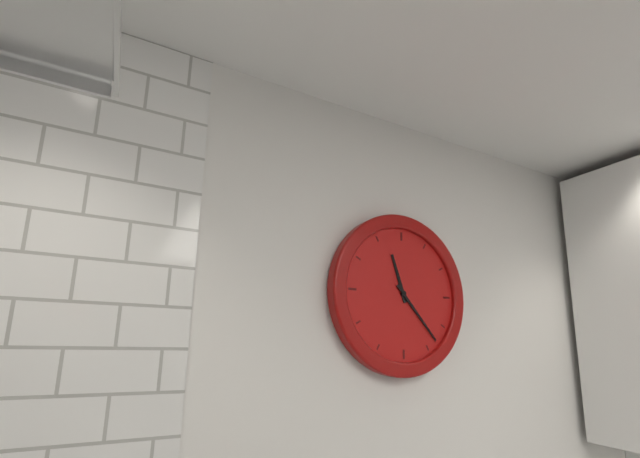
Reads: 11:23
